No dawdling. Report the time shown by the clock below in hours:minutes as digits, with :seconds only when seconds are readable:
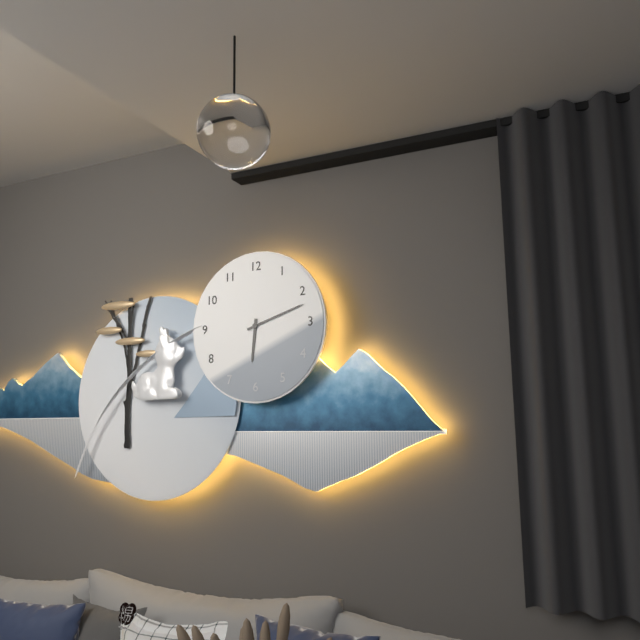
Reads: 6:12
